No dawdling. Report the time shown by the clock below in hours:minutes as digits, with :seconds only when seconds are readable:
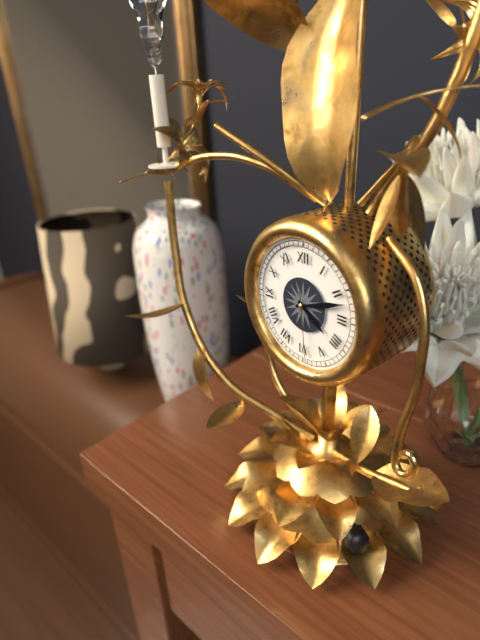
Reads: 4:12:29
